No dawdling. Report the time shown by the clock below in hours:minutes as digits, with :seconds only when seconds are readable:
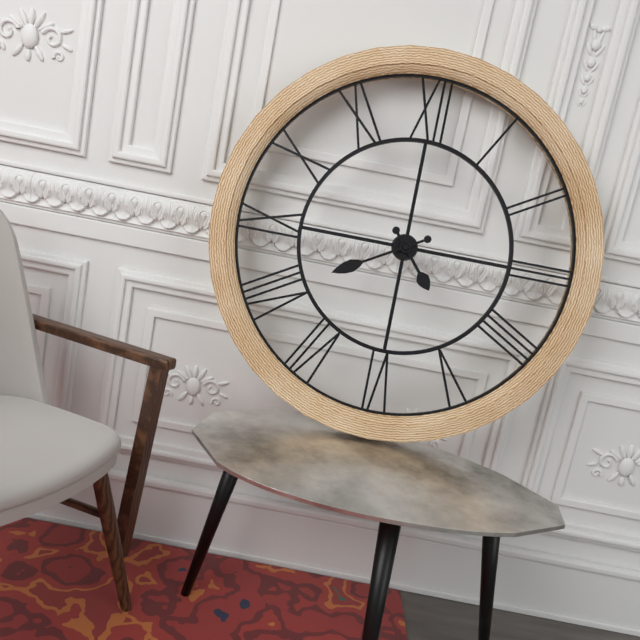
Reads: 4:40
